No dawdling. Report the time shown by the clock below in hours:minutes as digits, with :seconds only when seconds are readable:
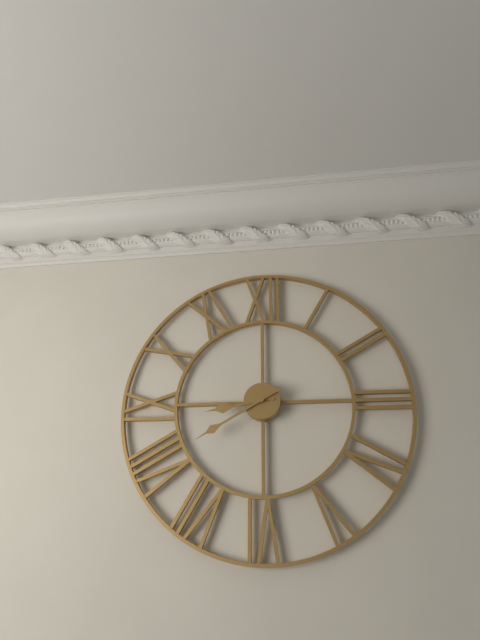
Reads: 8:40
